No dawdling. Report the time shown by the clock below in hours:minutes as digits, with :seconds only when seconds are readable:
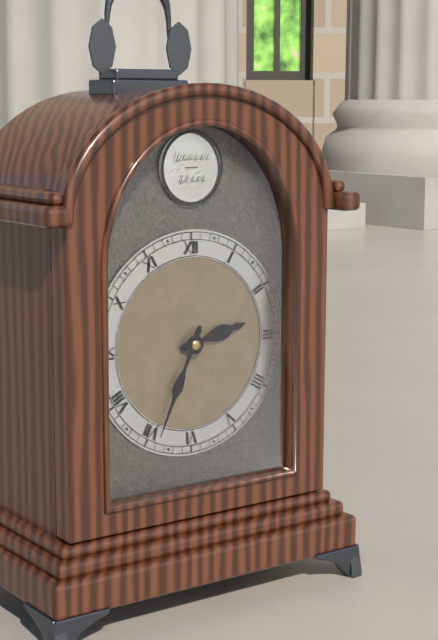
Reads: 2:34
